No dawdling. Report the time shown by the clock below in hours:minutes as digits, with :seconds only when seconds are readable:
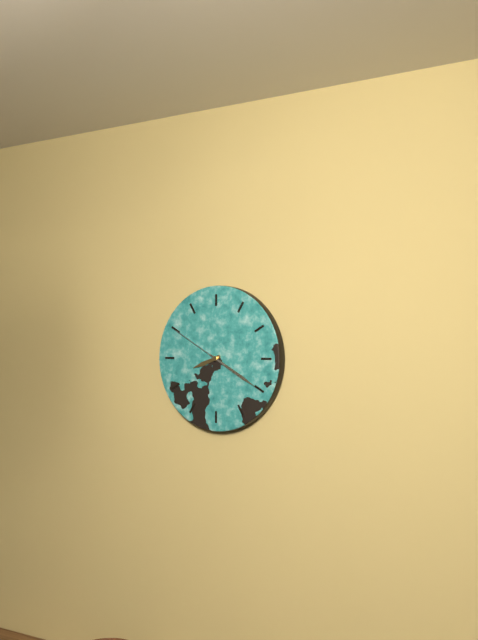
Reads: 8:20:50
